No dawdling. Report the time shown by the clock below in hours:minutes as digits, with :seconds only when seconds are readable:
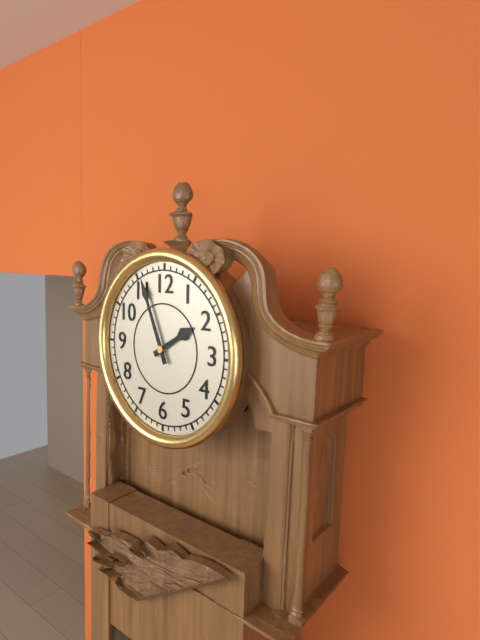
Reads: 1:56
